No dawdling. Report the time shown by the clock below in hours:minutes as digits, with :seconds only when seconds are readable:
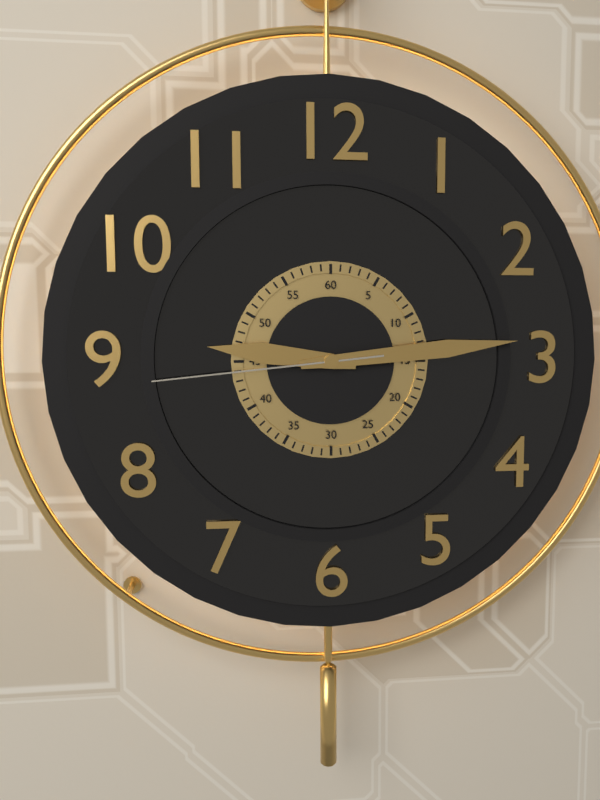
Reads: 9:14:44
